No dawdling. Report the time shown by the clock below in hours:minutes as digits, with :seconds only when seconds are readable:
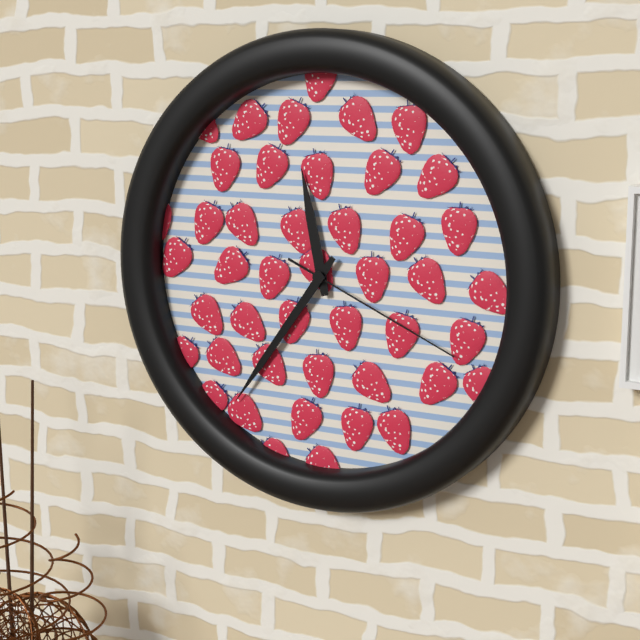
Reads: 11:36:19
